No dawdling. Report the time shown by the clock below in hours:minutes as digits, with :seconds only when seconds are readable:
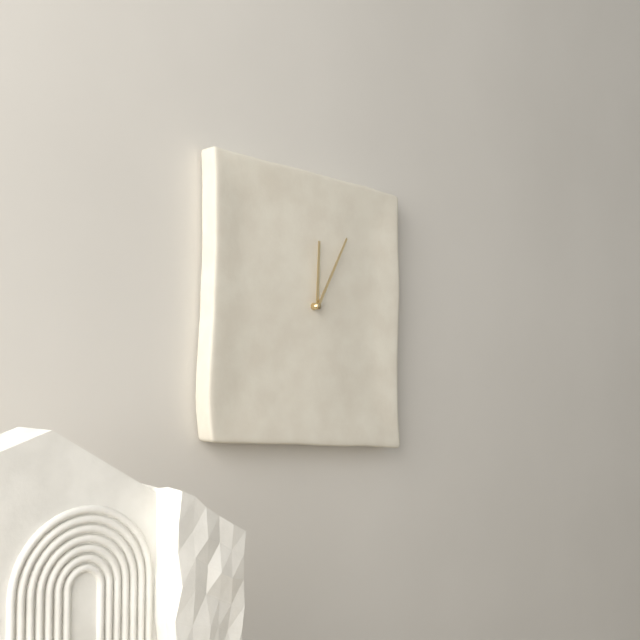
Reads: 12:05
